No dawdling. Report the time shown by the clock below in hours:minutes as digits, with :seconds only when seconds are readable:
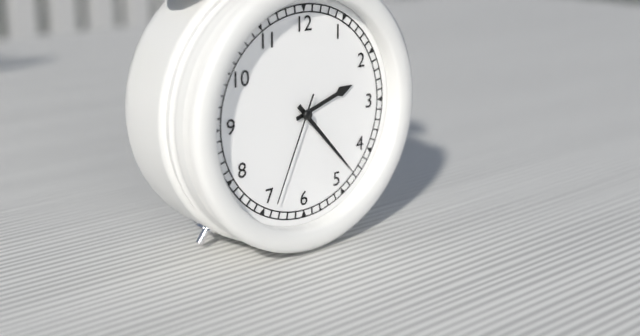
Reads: 2:23:34
